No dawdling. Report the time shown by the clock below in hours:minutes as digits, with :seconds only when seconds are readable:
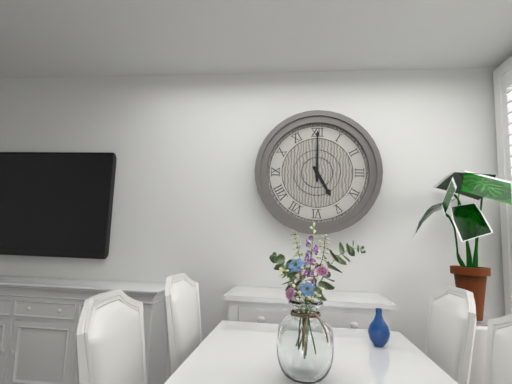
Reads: 5:00
